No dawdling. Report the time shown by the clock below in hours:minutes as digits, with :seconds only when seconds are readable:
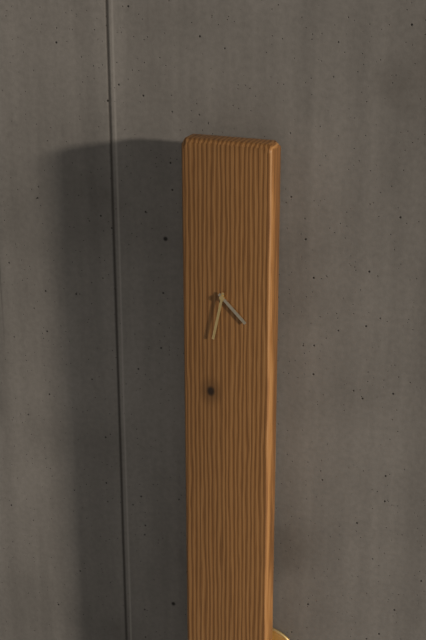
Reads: 4:32
